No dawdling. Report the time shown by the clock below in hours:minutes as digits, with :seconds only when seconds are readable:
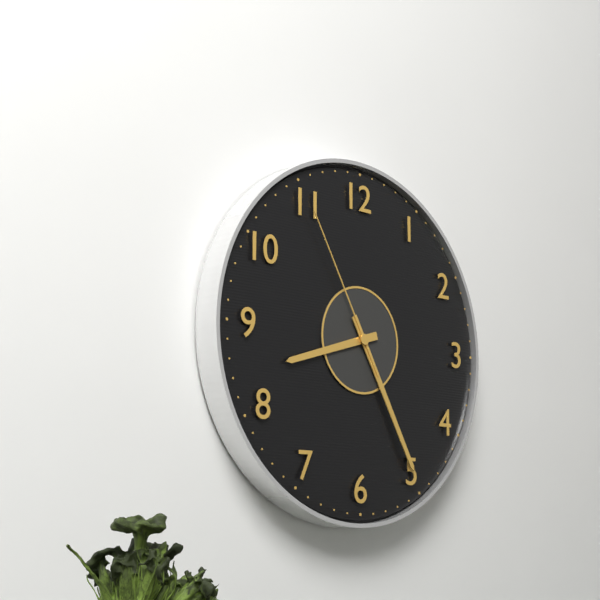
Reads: 8:25:55
